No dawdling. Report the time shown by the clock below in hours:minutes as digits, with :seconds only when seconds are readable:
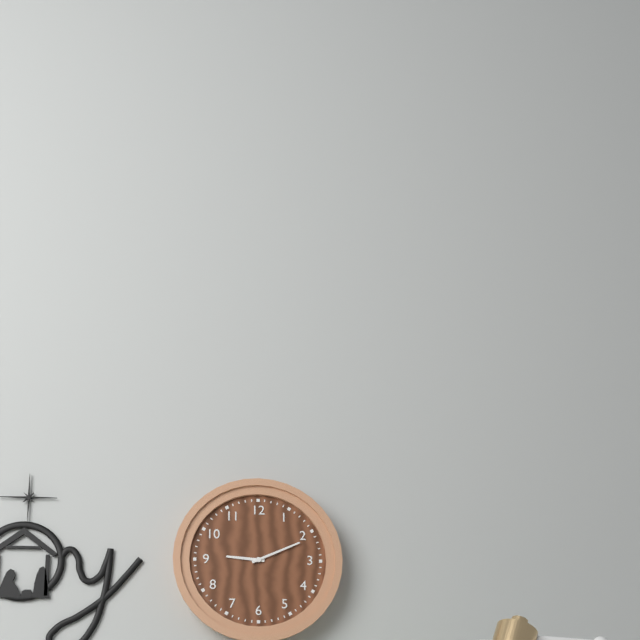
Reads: 9:11
